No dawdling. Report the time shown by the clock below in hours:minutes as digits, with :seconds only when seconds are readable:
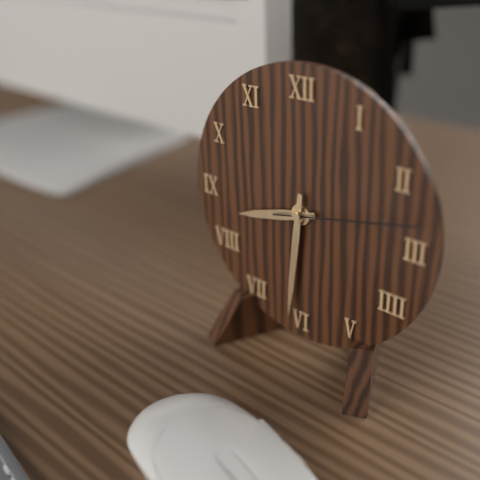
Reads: 8:31:13
